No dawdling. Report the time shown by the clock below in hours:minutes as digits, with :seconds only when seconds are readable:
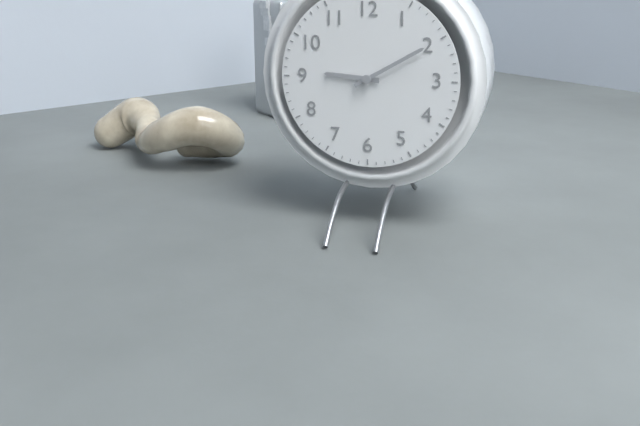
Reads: 9:10
